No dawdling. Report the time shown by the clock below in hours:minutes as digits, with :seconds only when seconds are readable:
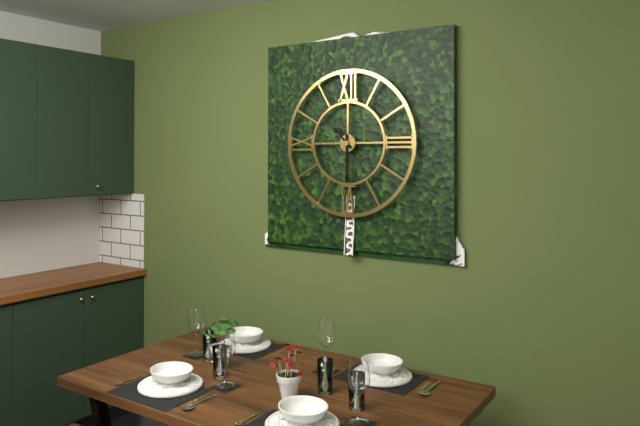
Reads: 10:30
